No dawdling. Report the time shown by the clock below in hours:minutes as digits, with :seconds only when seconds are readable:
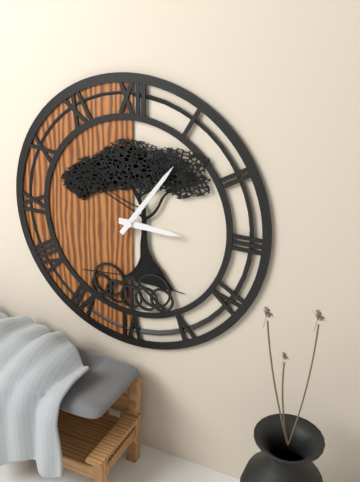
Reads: 3:06
